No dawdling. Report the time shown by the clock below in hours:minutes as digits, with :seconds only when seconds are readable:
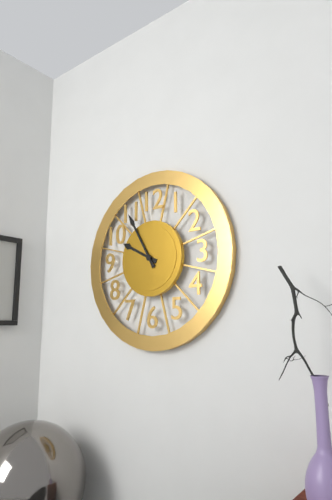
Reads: 9:55
